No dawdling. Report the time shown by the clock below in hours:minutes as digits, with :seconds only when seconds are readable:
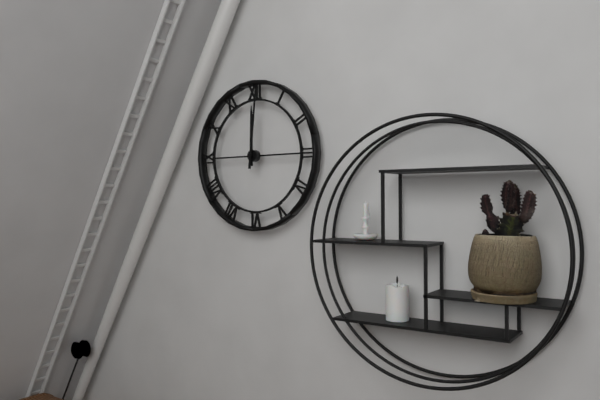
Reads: 12:01
